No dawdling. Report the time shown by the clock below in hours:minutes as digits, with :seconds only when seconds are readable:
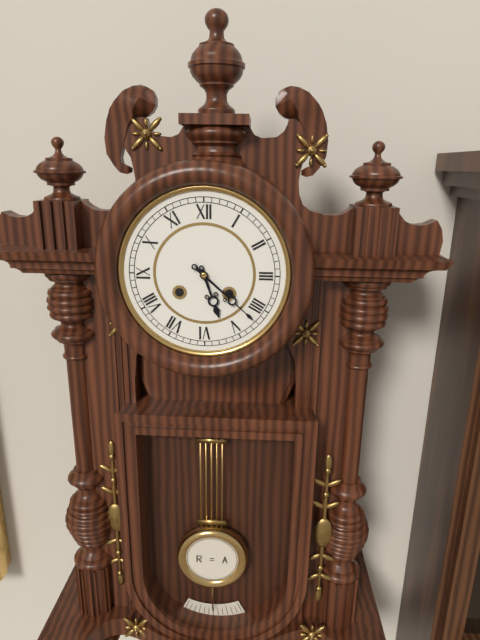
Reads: 5:22
